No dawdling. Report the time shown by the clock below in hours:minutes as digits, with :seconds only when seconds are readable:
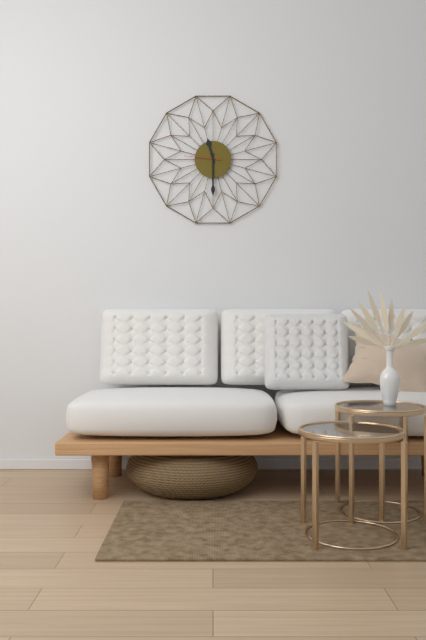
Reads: 11:30
